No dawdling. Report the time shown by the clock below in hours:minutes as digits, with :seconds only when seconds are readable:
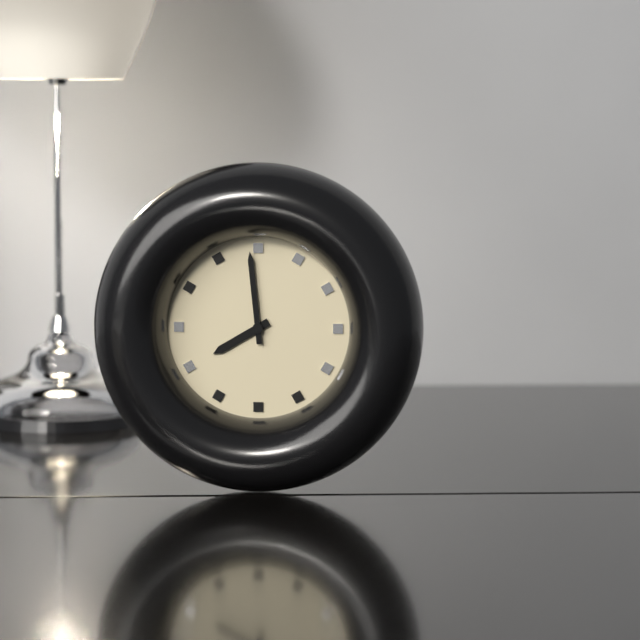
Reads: 7:59
